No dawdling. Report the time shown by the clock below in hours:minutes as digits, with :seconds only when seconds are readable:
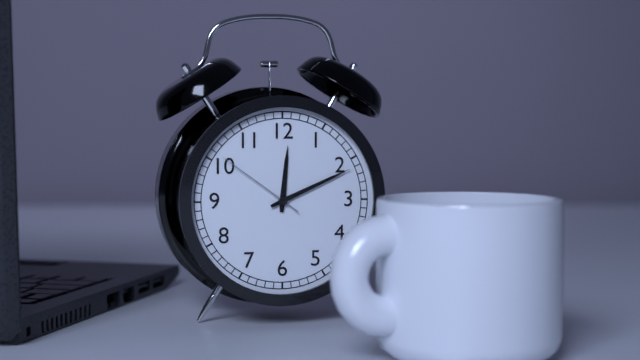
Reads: 12:11:51
